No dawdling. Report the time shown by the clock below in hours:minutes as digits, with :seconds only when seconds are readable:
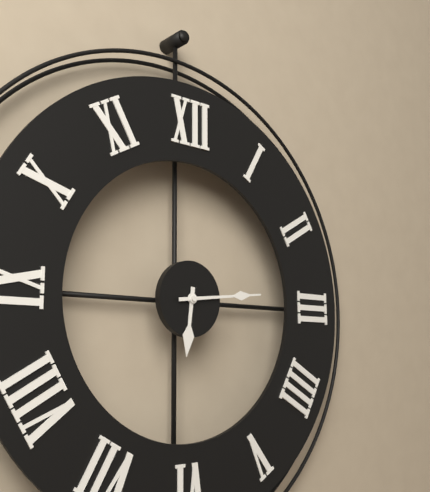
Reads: 6:14
